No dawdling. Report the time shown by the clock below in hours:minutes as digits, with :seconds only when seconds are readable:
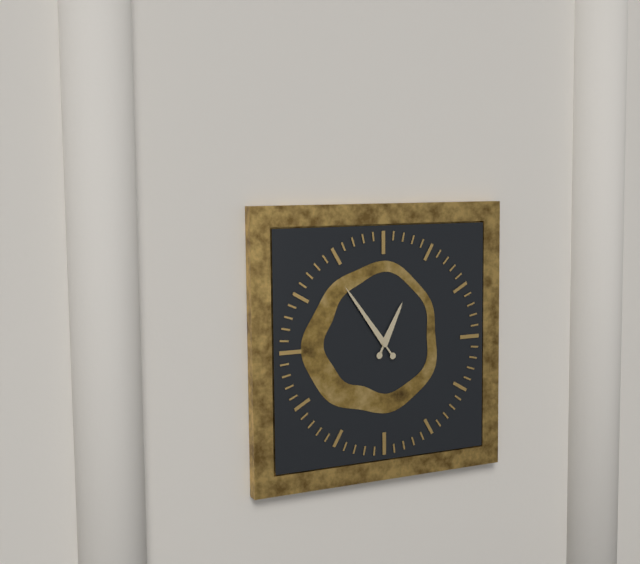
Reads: 12:54
